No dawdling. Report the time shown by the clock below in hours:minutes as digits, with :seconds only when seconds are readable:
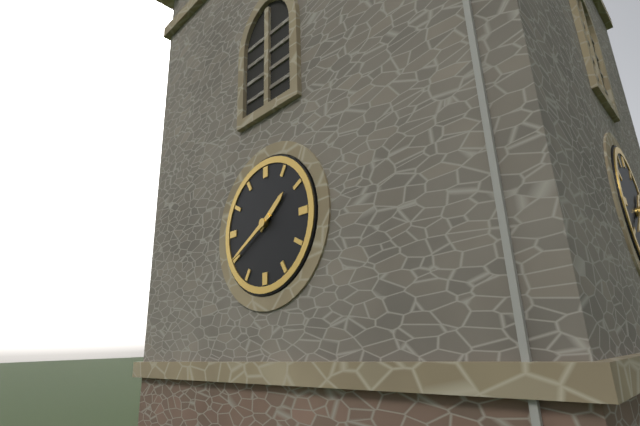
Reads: 1:40
